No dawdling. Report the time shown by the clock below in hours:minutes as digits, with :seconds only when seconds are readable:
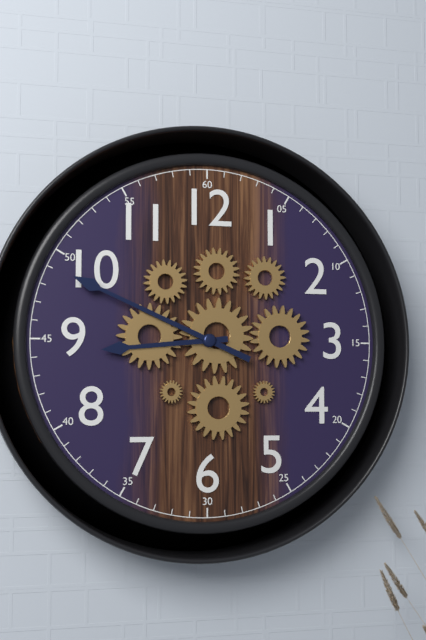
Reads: 8:49
